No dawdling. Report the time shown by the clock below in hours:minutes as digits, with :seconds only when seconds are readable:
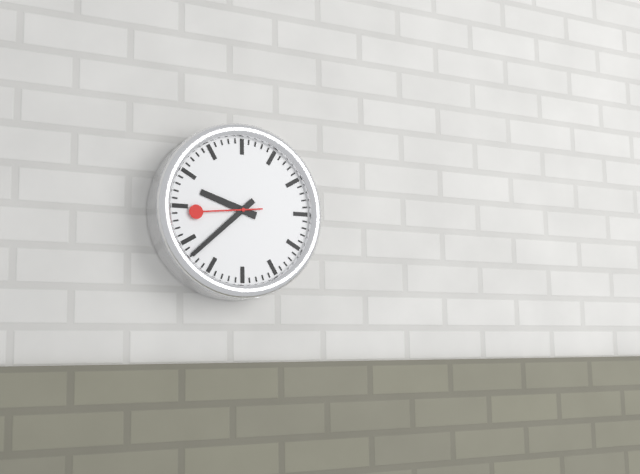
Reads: 9:38:44
